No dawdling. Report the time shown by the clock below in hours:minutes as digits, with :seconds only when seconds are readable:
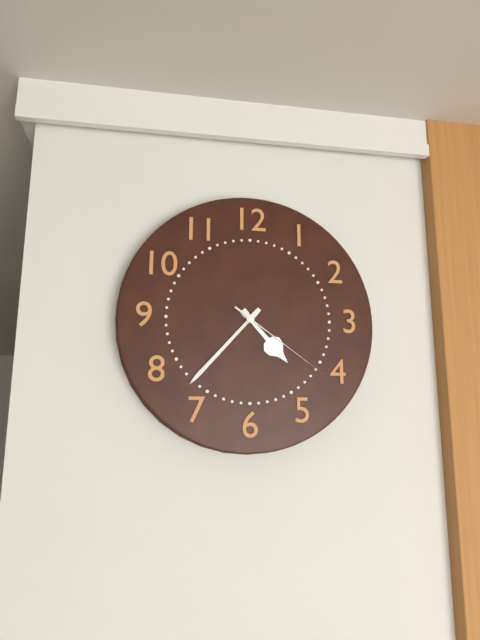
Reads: 4:37:21
